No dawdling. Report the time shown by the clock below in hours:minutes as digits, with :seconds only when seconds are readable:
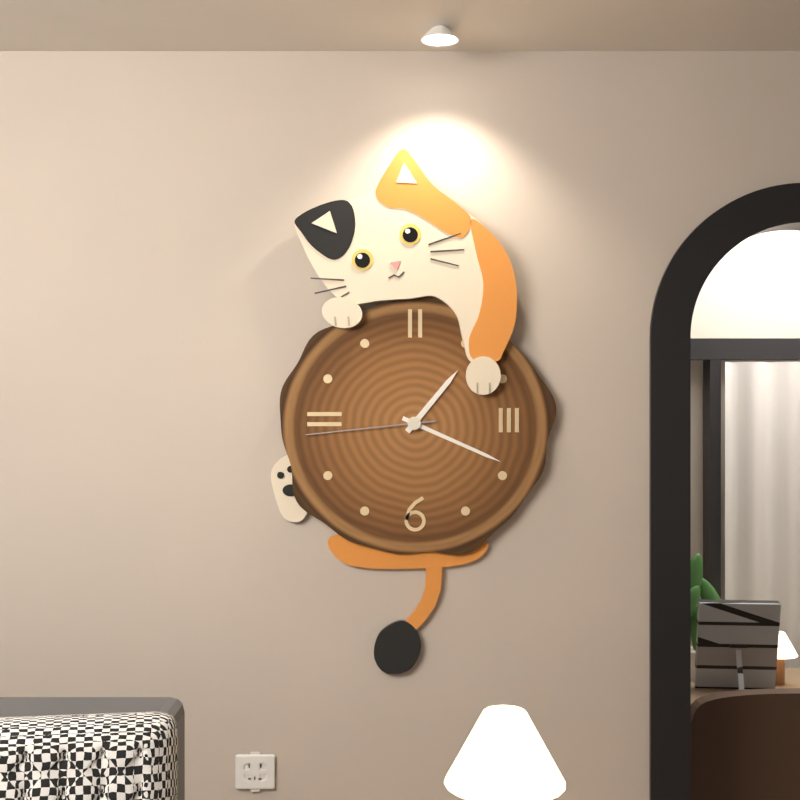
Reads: 1:19:44
